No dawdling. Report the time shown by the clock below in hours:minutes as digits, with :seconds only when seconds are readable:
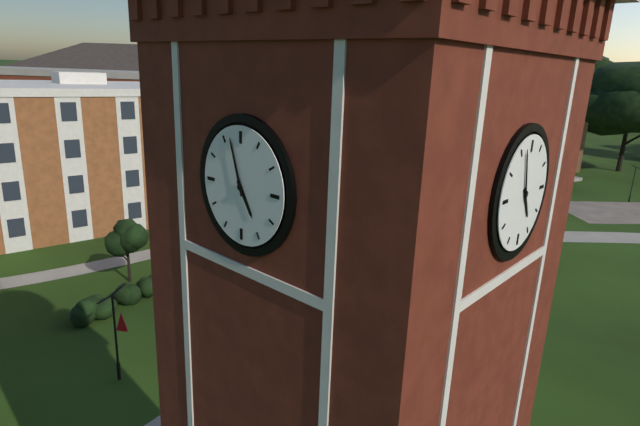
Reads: 4:57
